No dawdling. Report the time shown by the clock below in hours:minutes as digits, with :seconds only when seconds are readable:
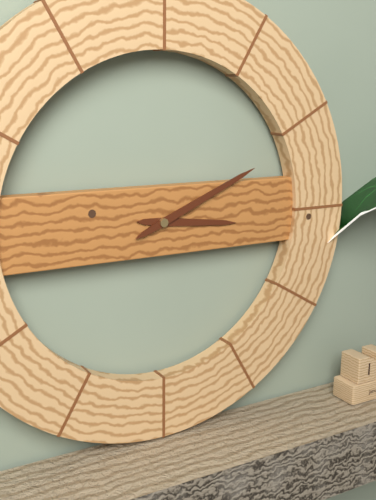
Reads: 3:11
